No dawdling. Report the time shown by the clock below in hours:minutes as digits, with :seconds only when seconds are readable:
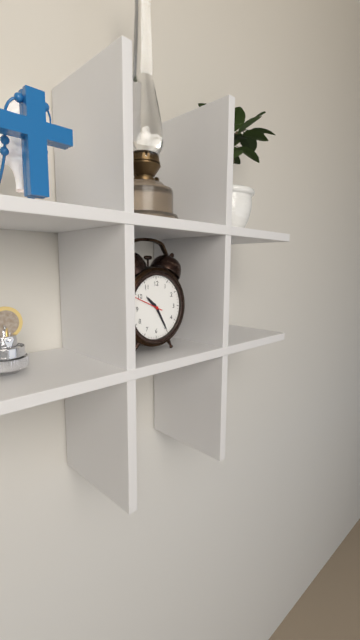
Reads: 10:25
